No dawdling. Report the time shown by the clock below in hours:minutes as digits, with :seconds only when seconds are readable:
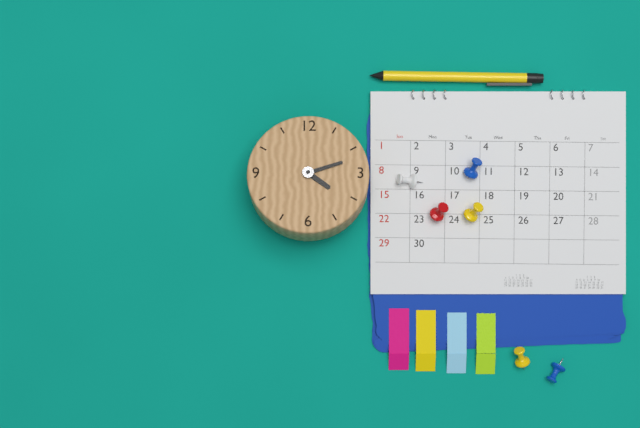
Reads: 4:12
